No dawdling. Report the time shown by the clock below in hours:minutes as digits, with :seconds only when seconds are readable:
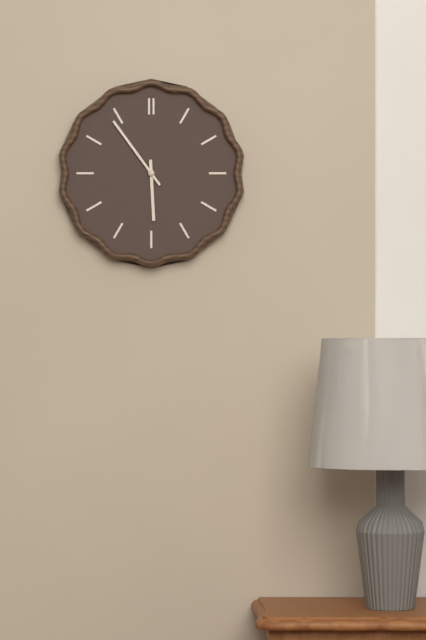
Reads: 5:54
